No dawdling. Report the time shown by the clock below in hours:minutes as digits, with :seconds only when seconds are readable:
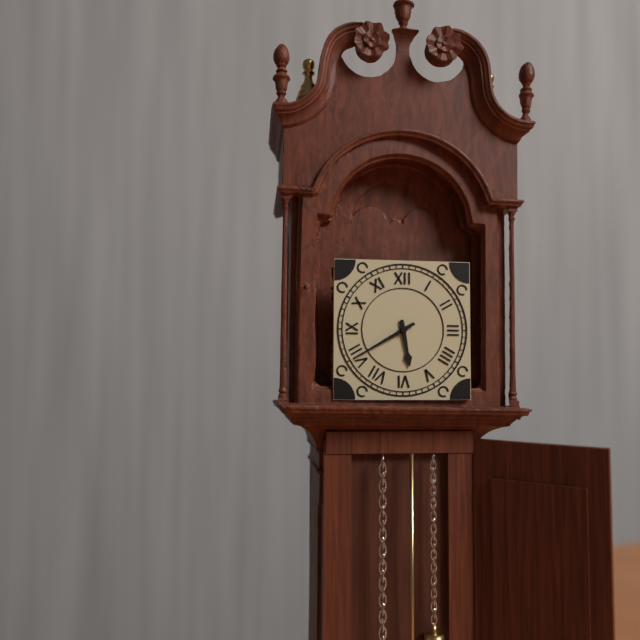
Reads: 5:40
